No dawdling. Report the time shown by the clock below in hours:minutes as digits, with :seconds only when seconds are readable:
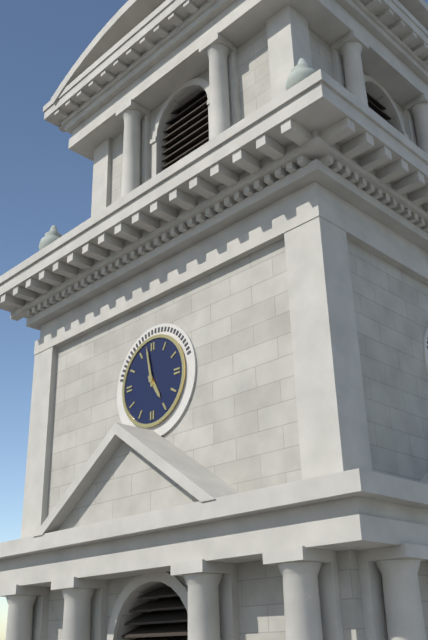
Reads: 4:58
